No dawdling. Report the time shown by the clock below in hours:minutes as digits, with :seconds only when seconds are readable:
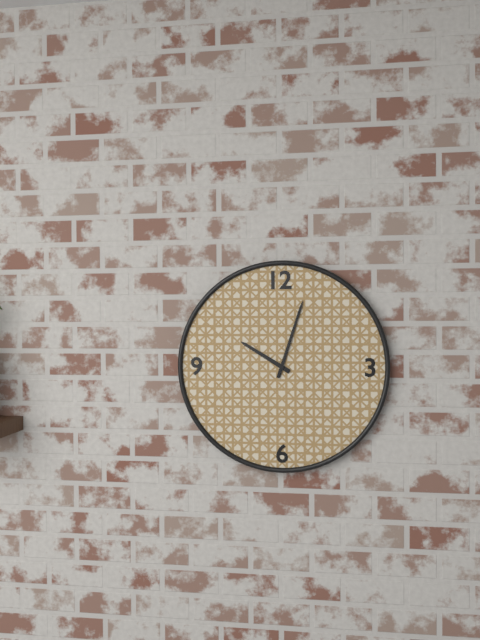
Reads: 10:03
